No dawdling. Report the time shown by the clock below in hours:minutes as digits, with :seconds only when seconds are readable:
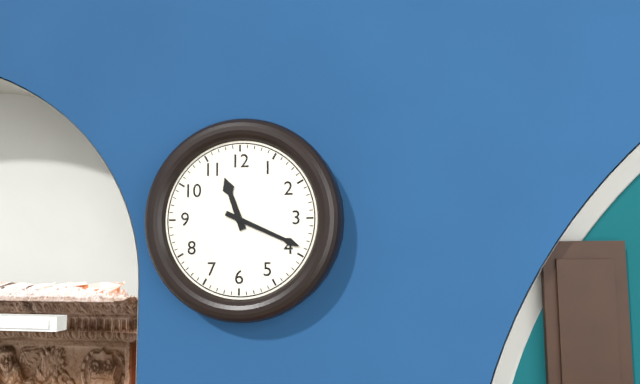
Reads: 11:19
